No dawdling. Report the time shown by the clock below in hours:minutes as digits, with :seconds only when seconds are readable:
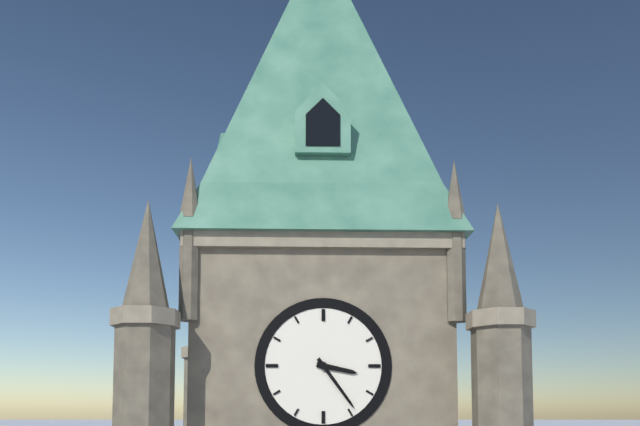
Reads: 3:24
